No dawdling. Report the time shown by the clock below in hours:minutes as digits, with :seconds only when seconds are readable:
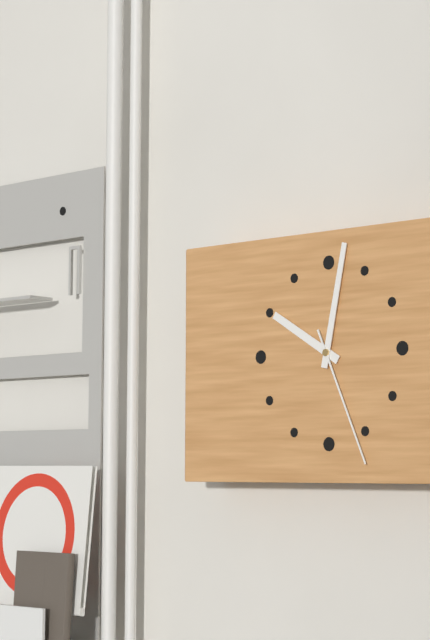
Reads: 10:02:26
